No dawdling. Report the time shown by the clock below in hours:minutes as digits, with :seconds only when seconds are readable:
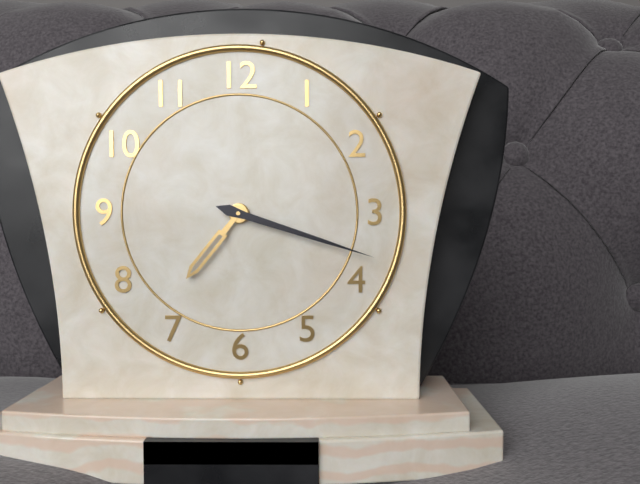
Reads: 7:18
